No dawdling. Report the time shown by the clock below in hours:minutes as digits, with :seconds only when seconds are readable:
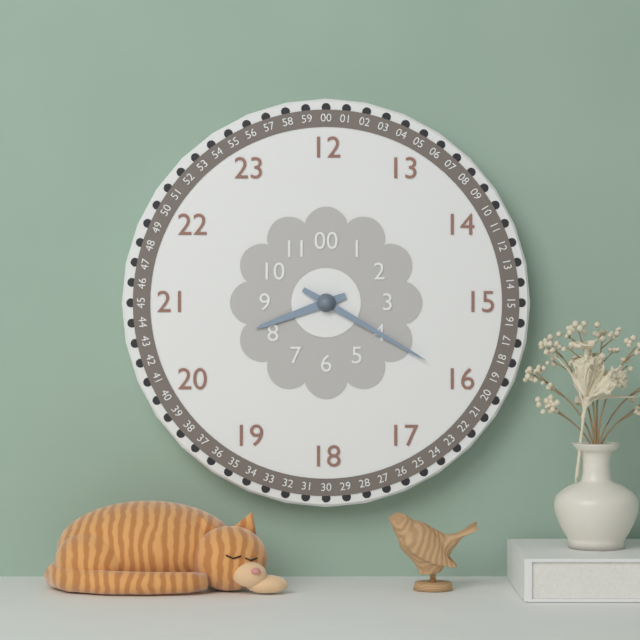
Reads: 8:20
